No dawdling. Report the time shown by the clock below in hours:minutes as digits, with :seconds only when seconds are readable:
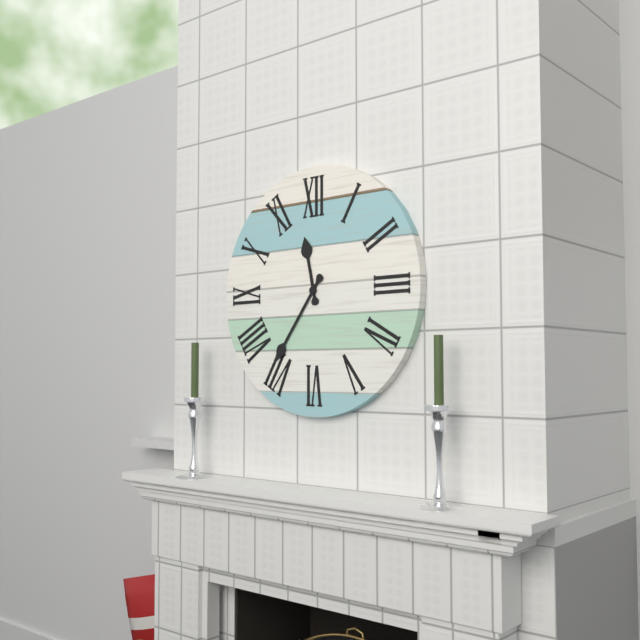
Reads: 11:36
